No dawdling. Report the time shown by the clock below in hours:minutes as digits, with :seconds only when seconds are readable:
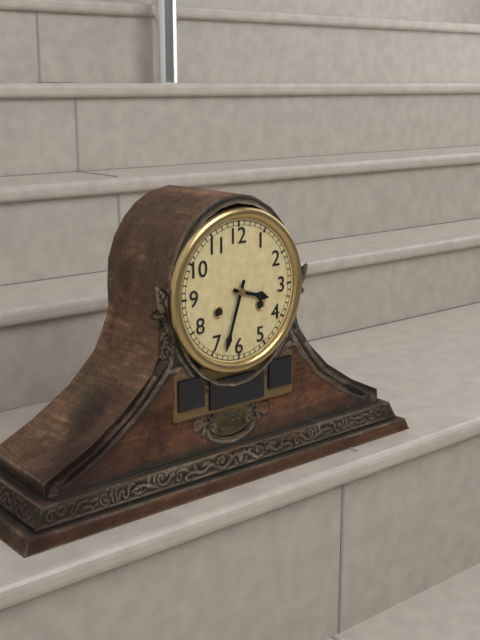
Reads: 3:33
